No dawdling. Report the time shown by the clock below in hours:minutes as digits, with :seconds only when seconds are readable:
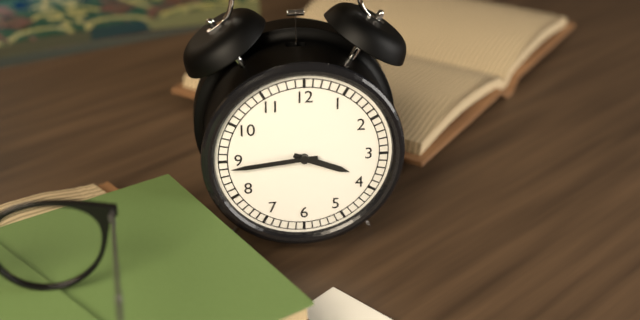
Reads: 3:44
